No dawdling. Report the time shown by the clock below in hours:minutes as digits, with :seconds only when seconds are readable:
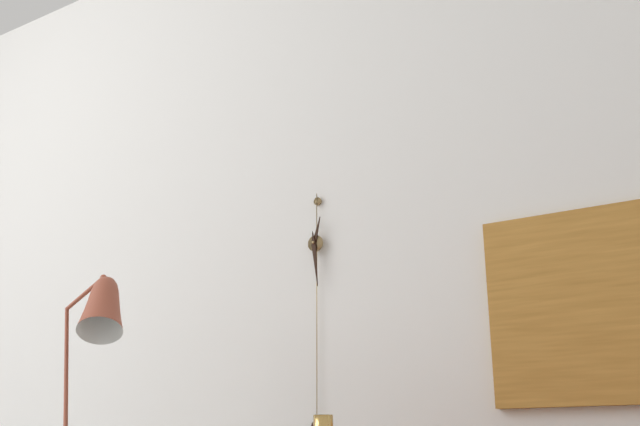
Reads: 12:29
